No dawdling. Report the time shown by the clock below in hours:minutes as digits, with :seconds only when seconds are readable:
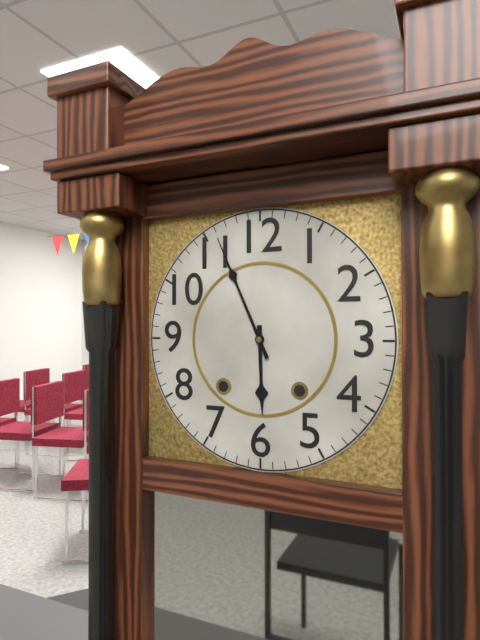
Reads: 5:56
